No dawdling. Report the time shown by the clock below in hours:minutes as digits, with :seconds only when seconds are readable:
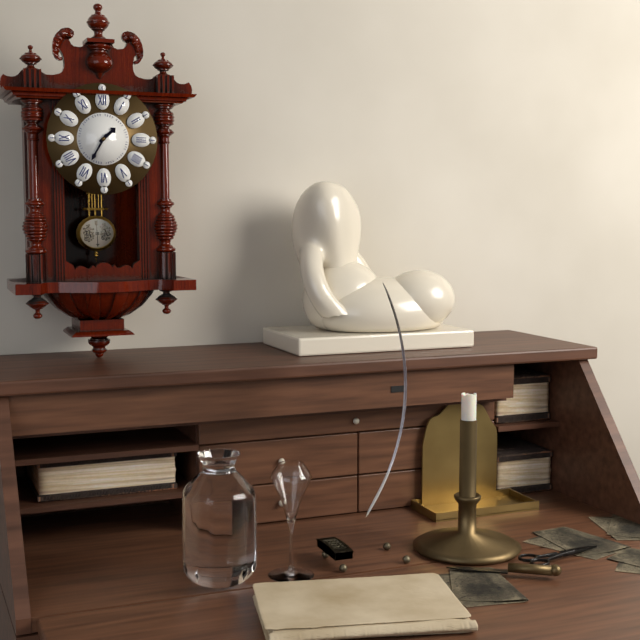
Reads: 1:35
